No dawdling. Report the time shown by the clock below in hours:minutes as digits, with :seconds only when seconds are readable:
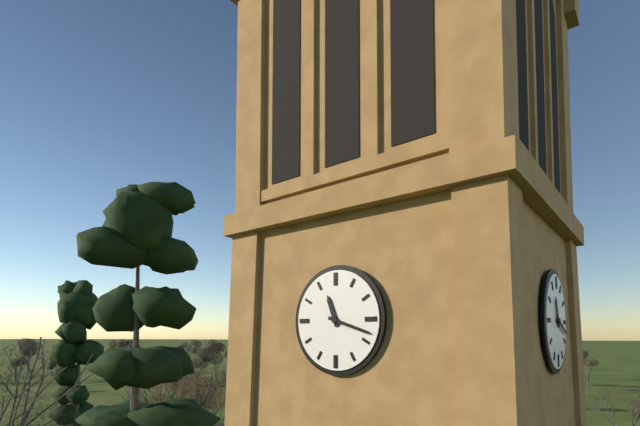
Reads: 11:18
